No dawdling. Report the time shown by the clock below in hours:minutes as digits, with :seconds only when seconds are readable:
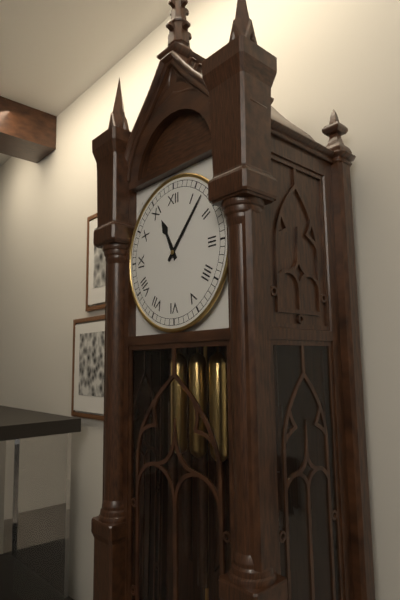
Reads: 11:07
